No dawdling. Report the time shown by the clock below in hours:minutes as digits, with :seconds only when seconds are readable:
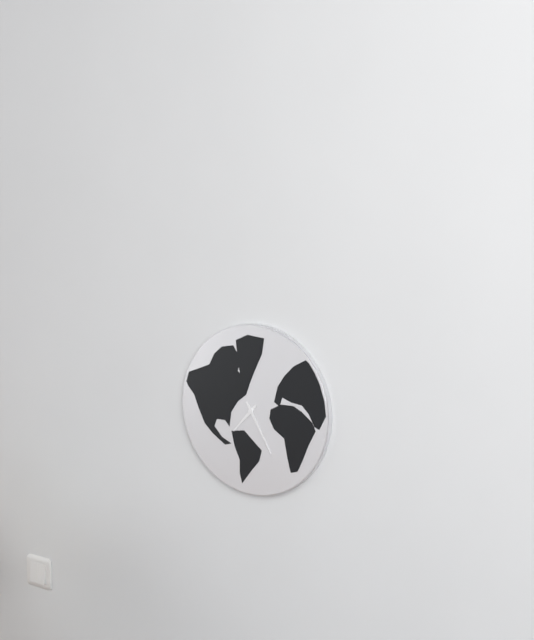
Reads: 7:25
